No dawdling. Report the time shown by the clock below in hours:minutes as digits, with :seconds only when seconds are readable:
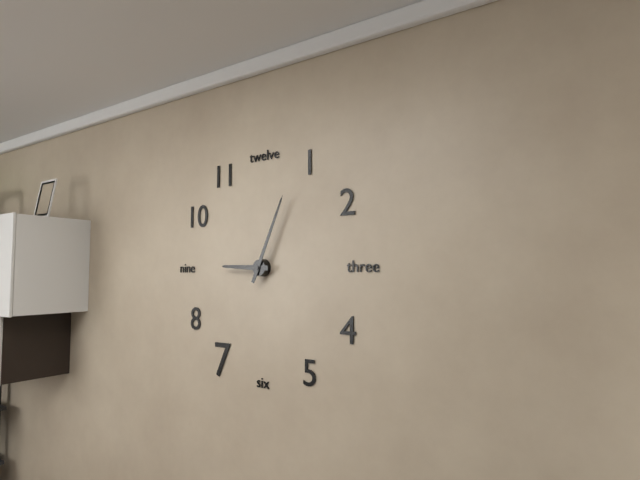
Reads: 9:04
